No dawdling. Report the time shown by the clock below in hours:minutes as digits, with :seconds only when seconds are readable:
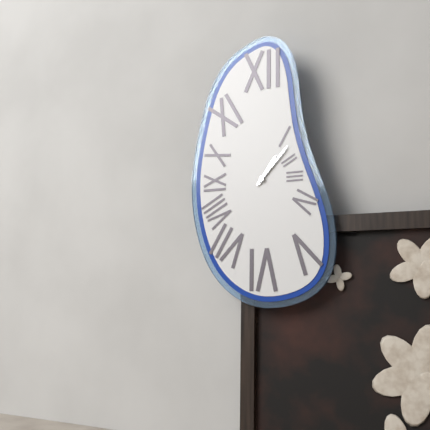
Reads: 1:07
